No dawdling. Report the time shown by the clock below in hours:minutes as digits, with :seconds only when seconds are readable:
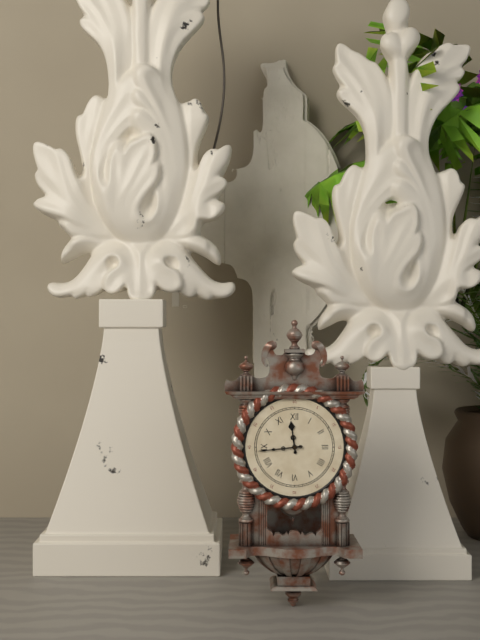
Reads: 11:44
